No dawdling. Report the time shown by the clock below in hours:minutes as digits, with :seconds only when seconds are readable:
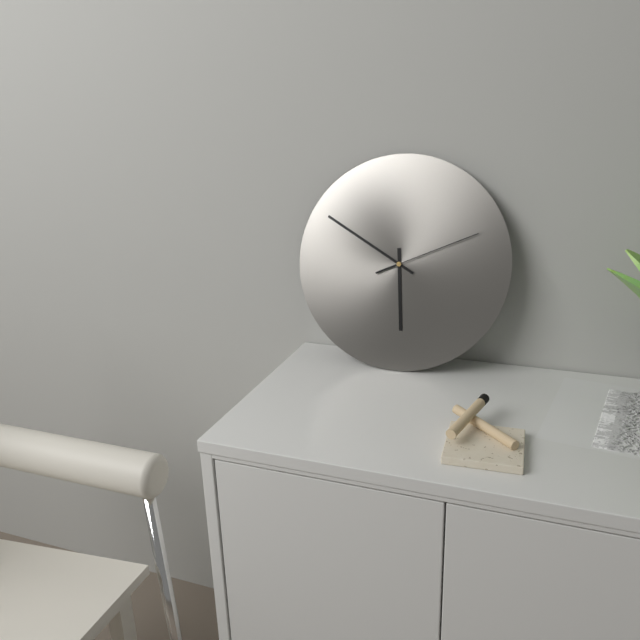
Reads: 5:50:11
